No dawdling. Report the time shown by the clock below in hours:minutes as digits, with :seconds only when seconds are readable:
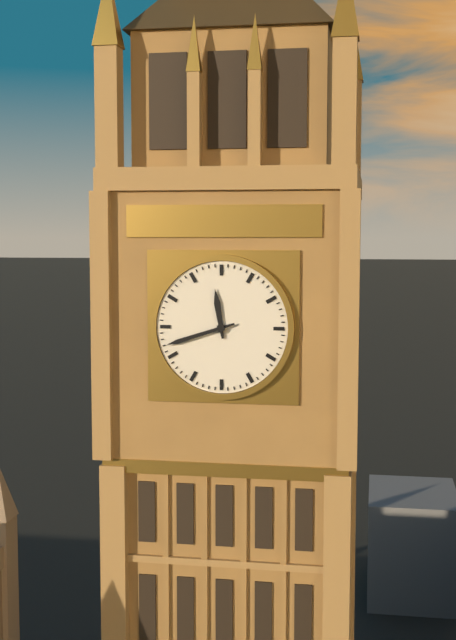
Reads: 11:42
